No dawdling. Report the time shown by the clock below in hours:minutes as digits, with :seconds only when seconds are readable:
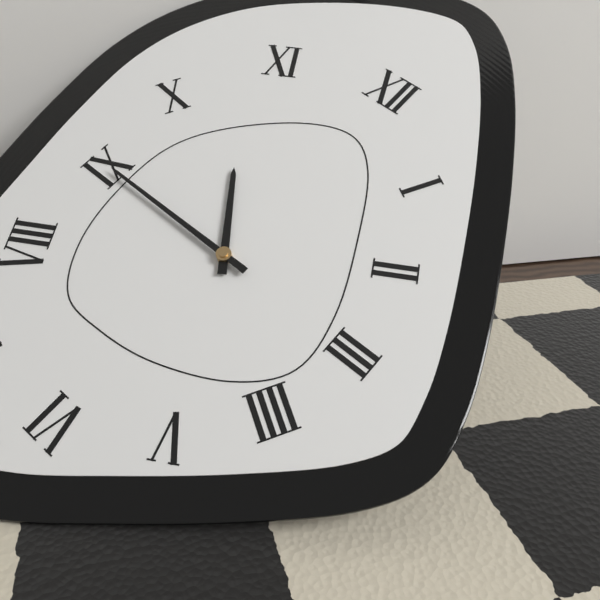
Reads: 10:45
